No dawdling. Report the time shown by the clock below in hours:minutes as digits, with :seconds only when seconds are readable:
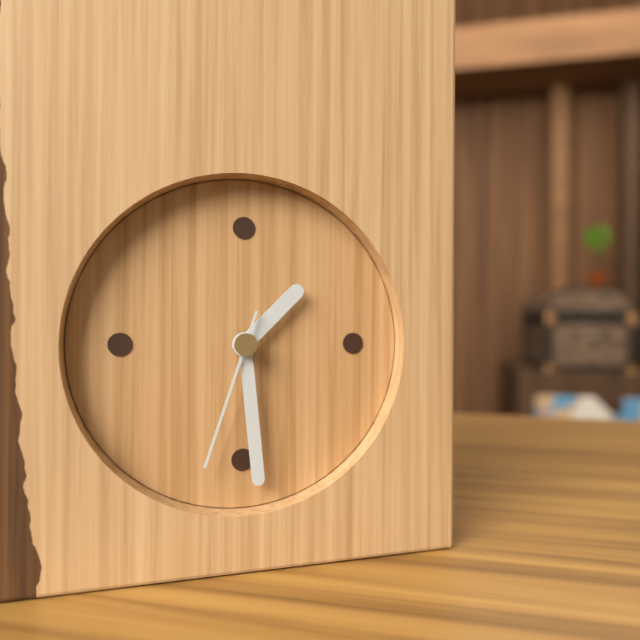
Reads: 1:29:33
